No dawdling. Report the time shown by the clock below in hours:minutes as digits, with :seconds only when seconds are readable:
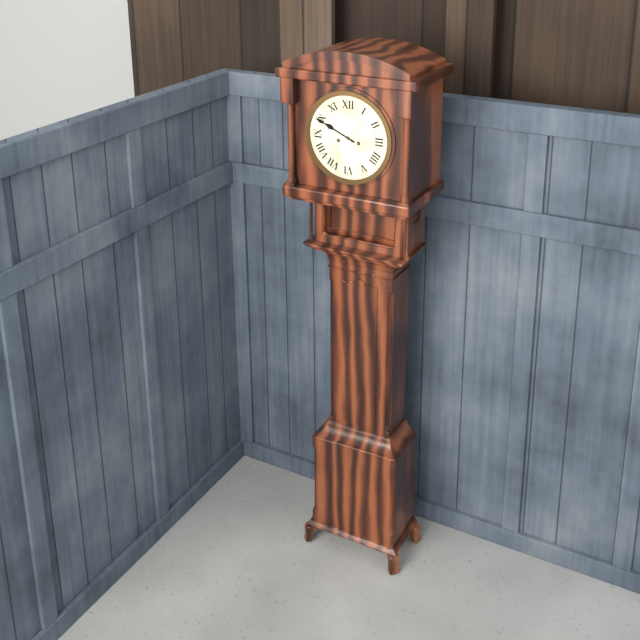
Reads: 9:49
